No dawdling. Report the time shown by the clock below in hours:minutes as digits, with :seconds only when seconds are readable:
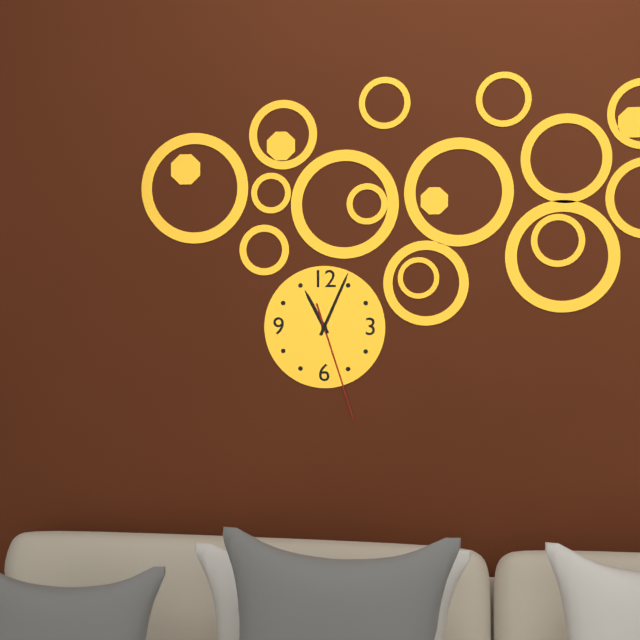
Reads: 11:04:27
